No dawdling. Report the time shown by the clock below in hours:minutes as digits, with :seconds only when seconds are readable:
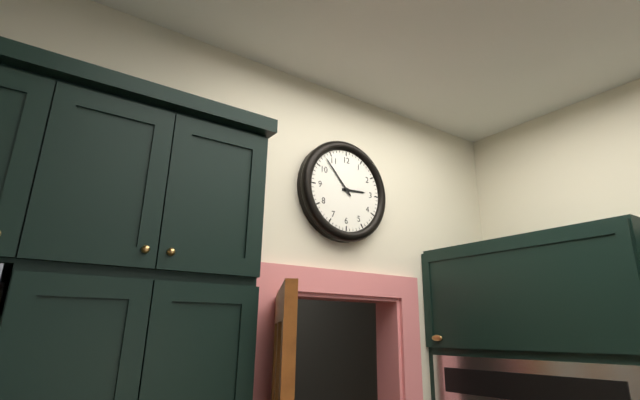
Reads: 2:53
